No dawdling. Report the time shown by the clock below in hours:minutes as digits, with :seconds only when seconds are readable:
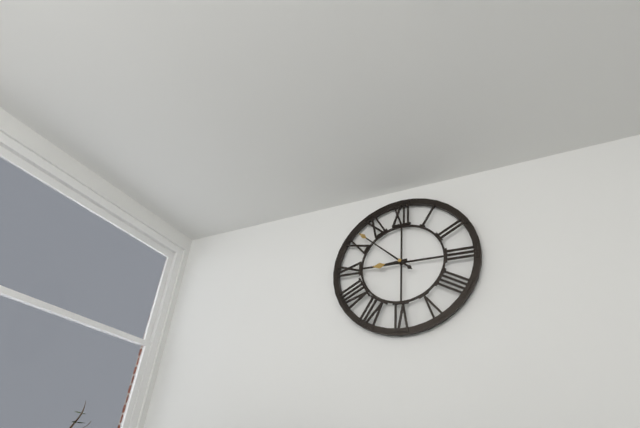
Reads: 8:52
